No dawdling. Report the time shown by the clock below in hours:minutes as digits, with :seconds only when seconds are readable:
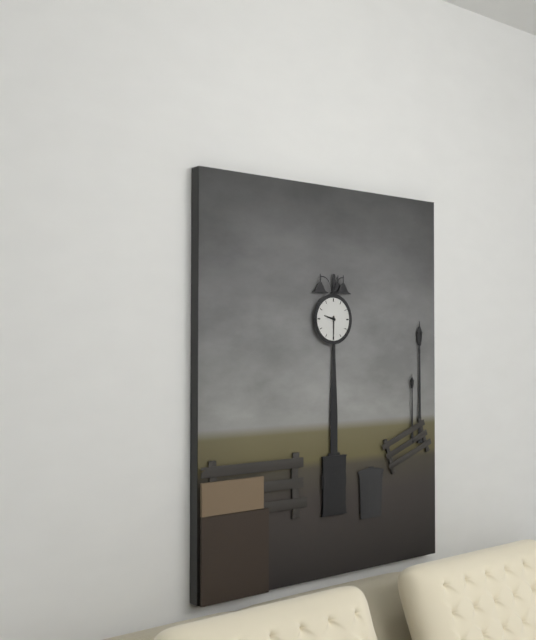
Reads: 9:30
